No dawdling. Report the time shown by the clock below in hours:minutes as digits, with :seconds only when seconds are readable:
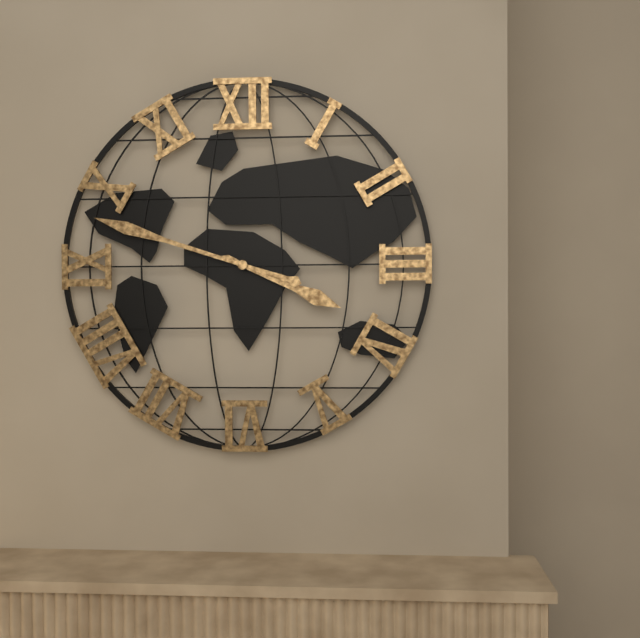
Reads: 3:48
